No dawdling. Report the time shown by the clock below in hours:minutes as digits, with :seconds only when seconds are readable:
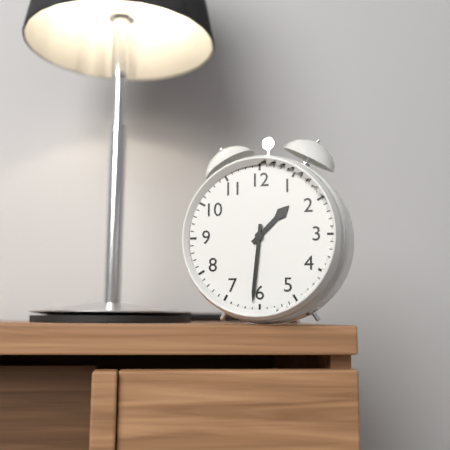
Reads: 1:31
